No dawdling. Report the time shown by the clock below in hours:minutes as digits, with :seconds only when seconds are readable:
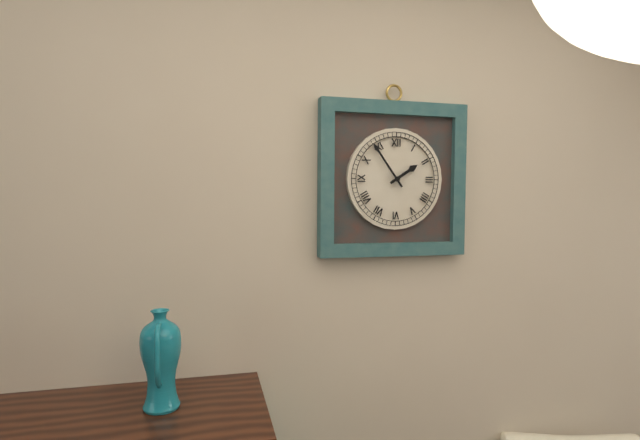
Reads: 1:54
